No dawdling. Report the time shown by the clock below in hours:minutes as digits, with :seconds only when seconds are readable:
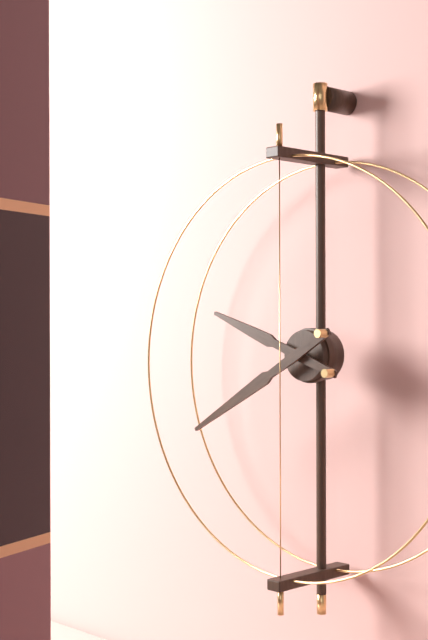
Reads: 9:40
